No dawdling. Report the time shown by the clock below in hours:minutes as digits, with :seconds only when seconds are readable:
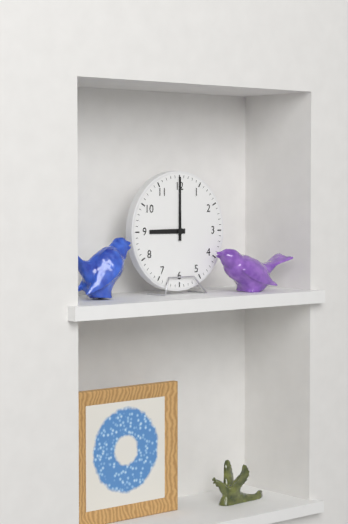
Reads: 9:00
